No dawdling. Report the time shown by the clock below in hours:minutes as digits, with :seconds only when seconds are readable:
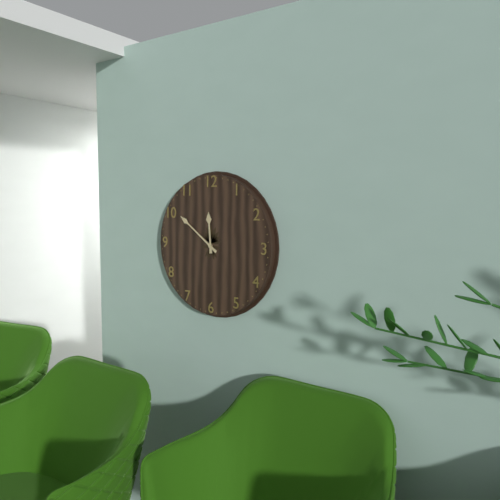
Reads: 11:51
